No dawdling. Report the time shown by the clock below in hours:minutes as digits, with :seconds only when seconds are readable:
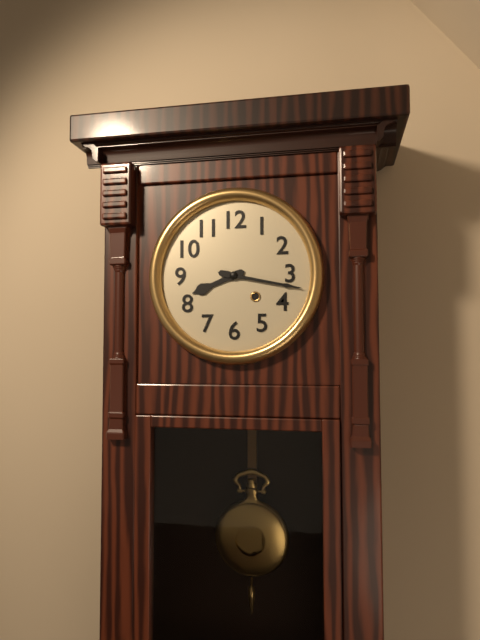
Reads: 8:17
